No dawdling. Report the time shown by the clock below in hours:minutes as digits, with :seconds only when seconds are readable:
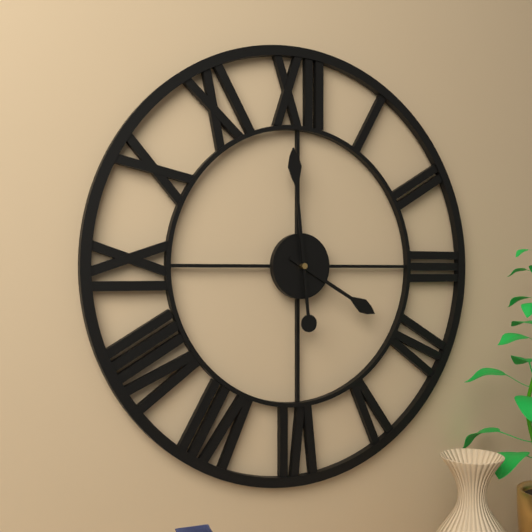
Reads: 3:59
